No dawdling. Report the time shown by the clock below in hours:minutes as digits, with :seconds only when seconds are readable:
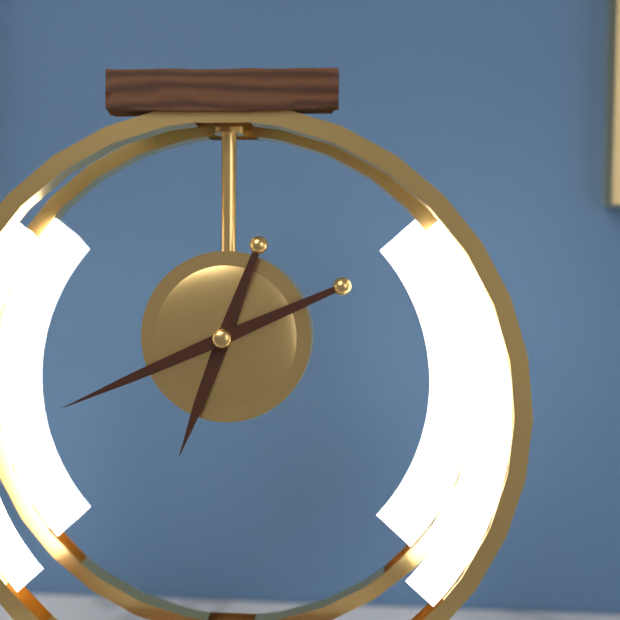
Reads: 6:41
